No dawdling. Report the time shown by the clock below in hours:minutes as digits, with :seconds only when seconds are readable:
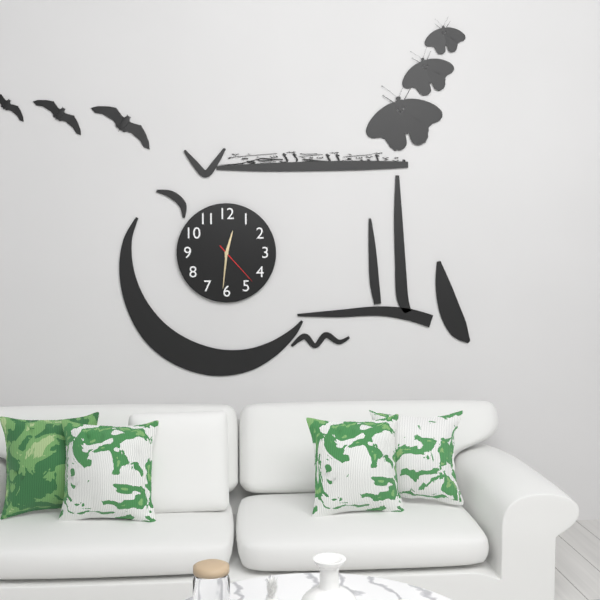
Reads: 12:31
